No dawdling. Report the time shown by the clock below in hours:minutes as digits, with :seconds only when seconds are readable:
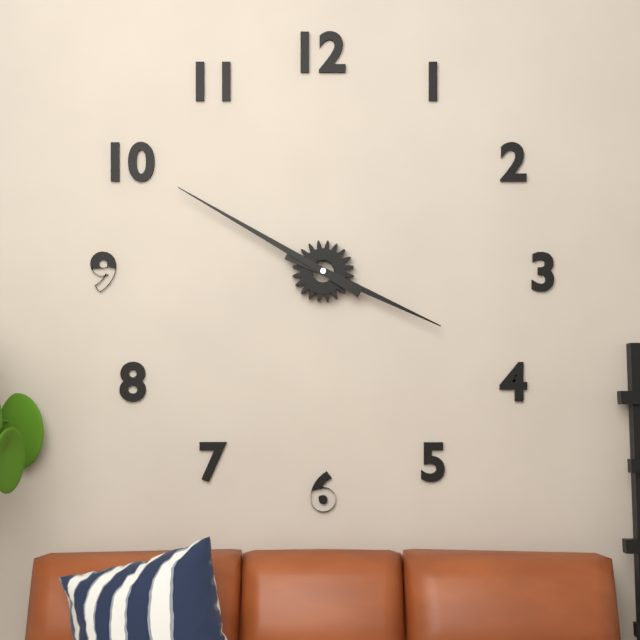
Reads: 3:50
